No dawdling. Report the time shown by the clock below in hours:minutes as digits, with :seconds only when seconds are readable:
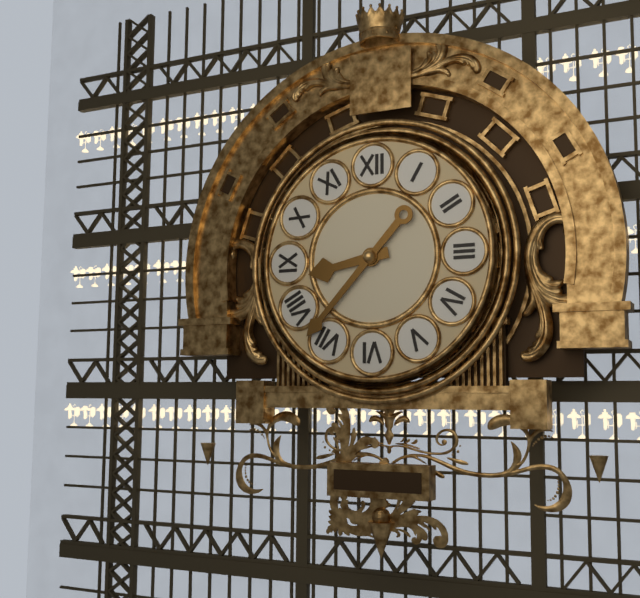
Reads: 8:37
